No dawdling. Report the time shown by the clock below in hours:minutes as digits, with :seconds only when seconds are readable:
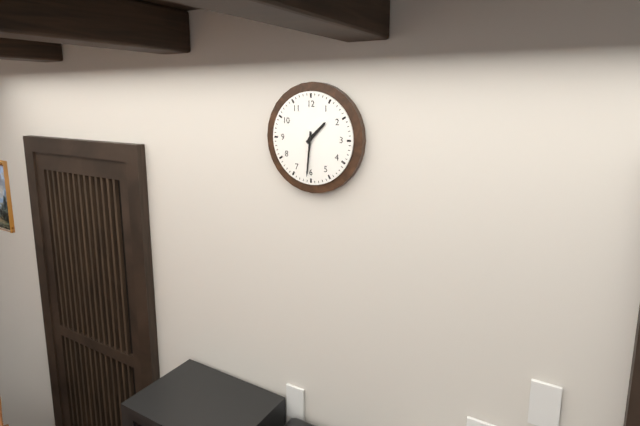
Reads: 1:31
